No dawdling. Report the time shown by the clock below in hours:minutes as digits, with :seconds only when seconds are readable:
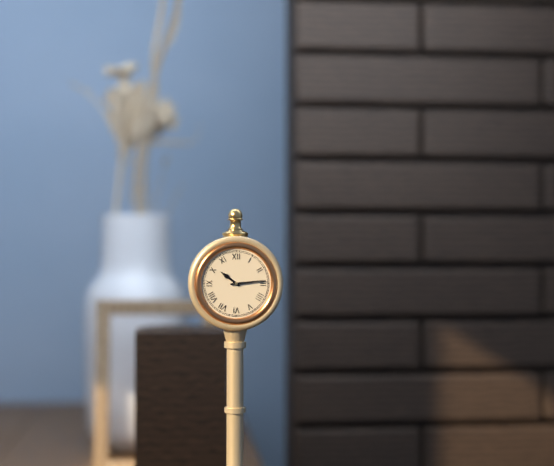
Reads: 10:14
